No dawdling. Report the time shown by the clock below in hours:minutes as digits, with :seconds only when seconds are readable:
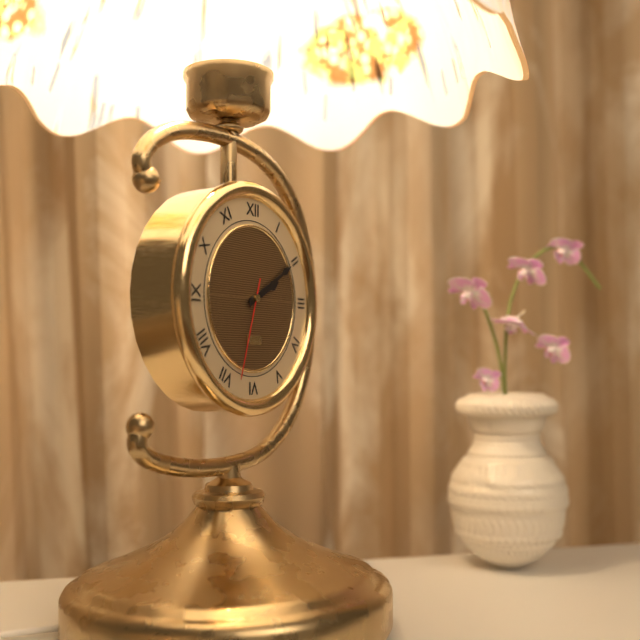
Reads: 2:10:33
